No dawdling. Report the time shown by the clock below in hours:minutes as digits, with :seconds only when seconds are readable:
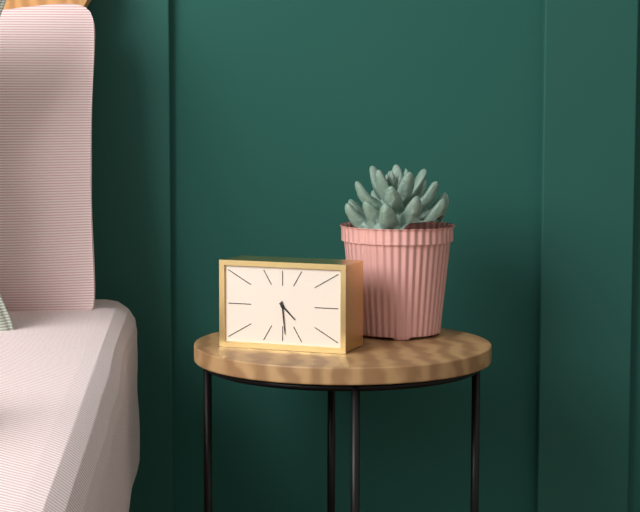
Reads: 4:29
